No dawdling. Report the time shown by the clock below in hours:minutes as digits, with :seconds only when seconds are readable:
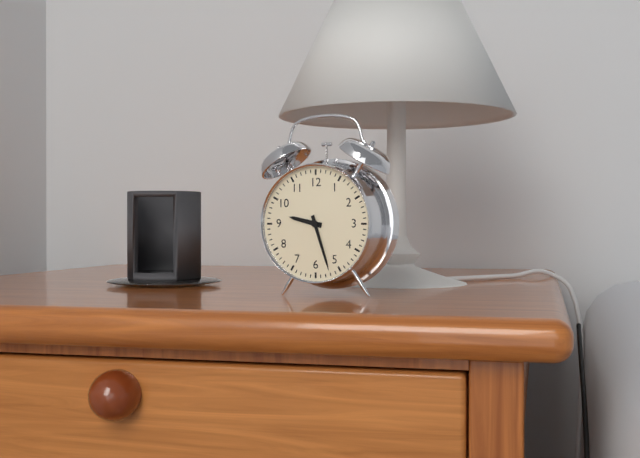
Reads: 9:27
